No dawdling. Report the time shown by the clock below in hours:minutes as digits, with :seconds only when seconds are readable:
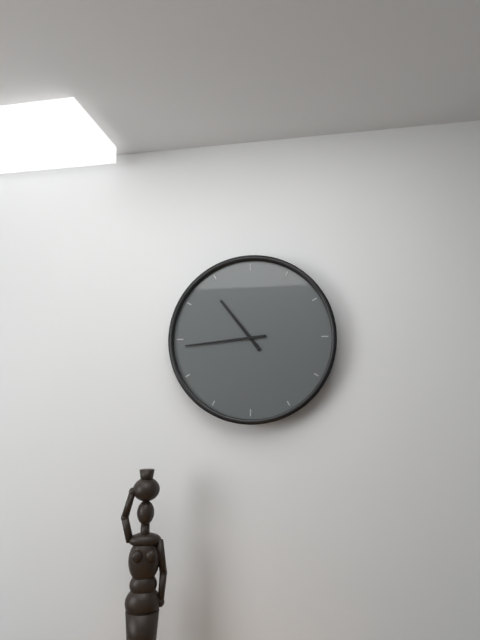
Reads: 10:44
